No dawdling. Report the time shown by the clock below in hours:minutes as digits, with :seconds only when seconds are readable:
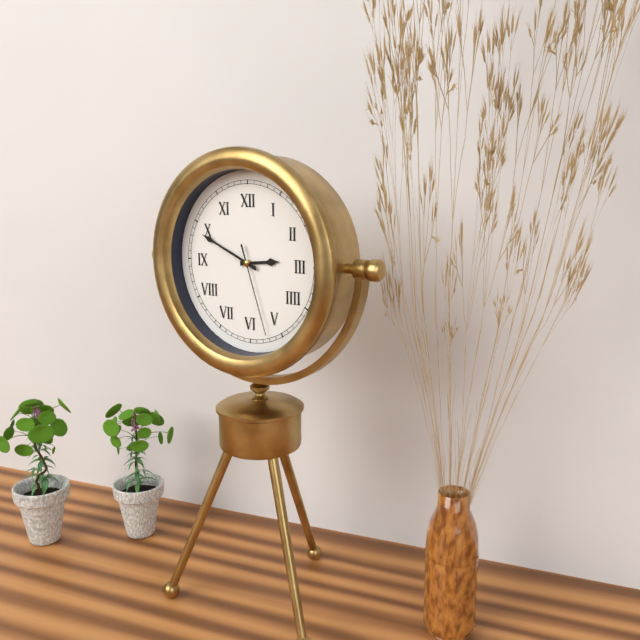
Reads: 2:49:27
